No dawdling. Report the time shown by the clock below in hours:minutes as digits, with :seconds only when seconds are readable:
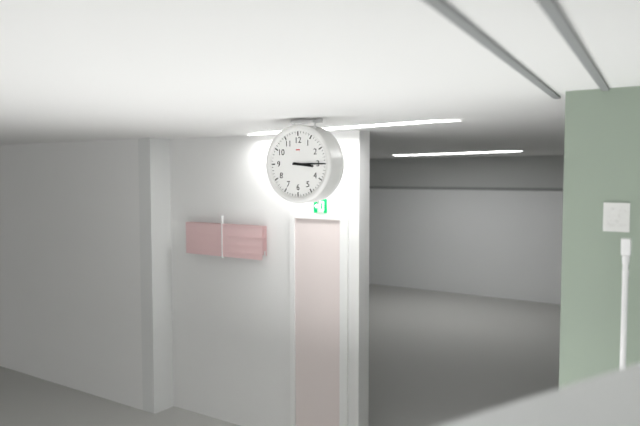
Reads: 3:15
